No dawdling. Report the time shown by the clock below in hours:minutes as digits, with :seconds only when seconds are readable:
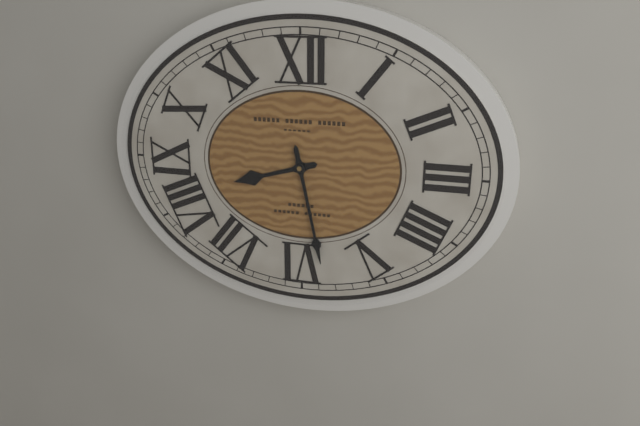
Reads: 8:28
